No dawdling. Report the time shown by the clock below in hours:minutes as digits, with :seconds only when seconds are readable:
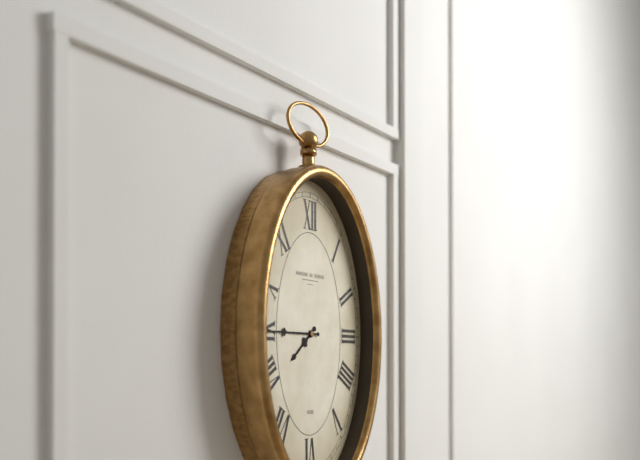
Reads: 7:45
